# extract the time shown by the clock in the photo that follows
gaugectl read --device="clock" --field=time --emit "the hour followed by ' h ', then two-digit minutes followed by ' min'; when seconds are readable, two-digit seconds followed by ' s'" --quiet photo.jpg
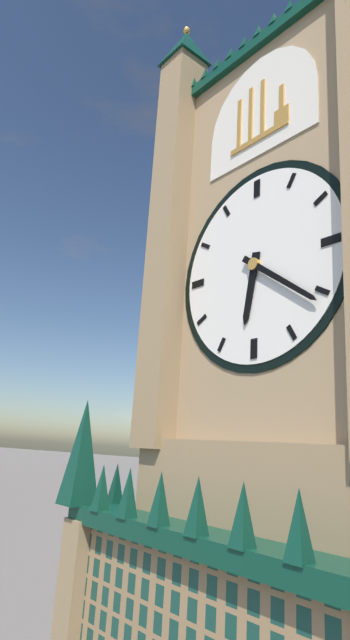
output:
6 h 21 min
